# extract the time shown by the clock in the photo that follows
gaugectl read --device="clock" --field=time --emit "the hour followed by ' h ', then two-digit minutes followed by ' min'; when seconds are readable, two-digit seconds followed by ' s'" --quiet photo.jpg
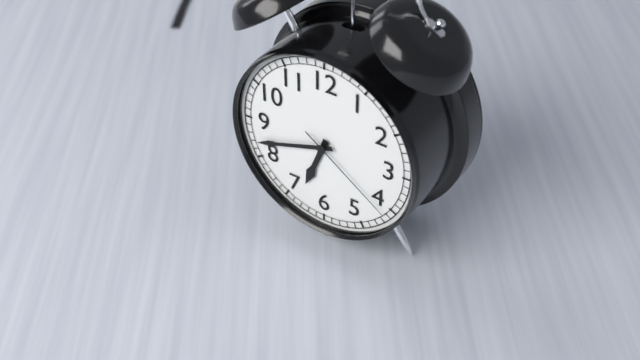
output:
6 h 42 min 21 s
